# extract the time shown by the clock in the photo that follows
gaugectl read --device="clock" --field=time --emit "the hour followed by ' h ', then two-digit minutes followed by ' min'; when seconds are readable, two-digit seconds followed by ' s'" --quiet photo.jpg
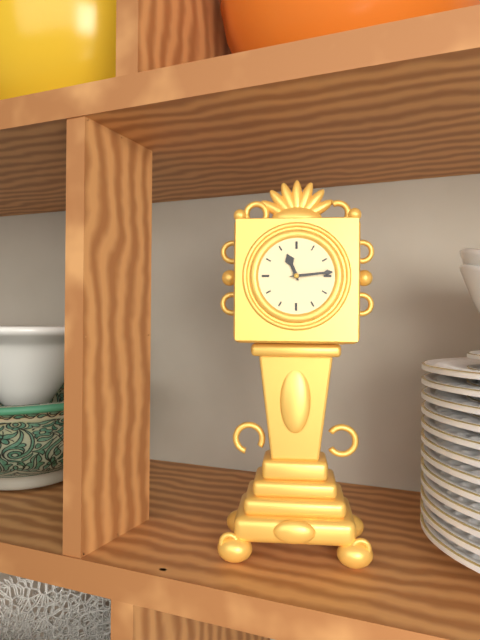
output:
11 h 14 min
